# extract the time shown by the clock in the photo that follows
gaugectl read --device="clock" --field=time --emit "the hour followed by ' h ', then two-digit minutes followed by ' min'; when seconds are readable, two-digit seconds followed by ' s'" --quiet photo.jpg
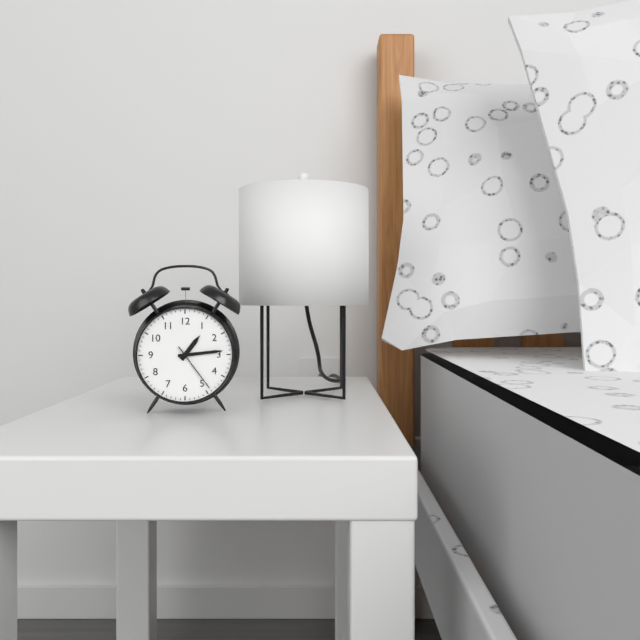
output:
1 h 14 min 24 s
